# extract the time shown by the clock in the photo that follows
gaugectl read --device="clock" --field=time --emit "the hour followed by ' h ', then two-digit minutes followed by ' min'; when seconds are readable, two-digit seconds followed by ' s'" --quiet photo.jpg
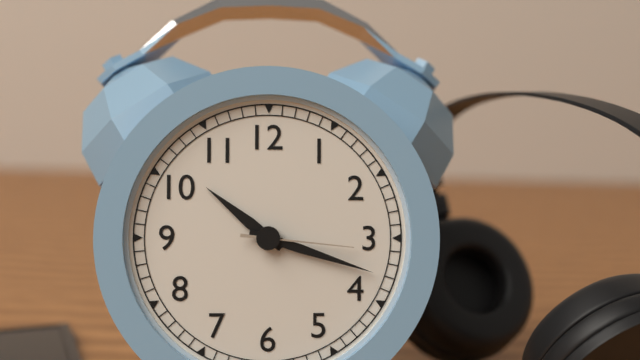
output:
10 h 18 min 16 s
